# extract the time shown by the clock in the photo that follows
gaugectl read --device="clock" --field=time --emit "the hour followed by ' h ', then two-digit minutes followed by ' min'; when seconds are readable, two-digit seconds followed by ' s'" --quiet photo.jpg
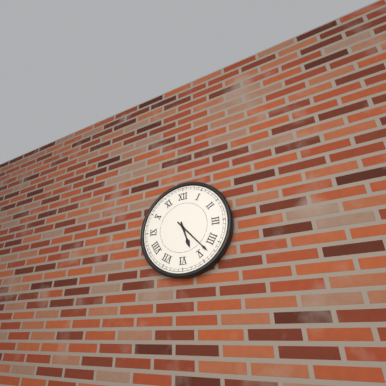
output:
5 h 23 min
